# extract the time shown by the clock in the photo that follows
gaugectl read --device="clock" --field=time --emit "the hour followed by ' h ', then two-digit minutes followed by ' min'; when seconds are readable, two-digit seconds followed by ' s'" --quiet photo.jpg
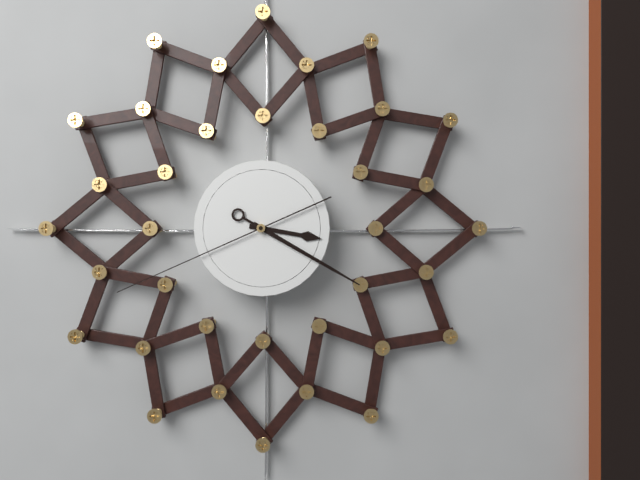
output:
3 h 20 min 41 s
